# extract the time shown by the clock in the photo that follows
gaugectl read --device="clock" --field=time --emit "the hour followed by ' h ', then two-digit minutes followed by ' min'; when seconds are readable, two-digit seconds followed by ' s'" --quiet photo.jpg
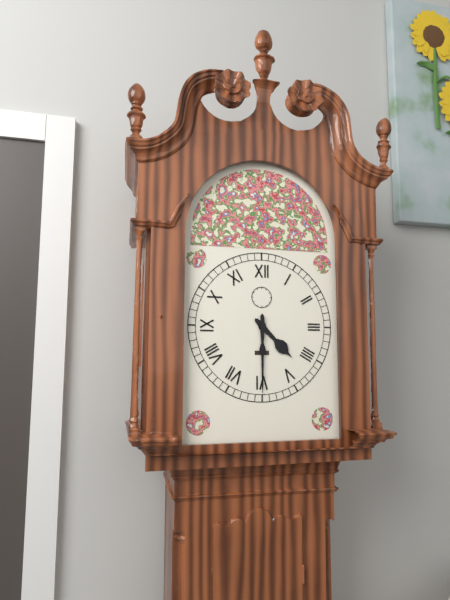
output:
4 h 30 min
